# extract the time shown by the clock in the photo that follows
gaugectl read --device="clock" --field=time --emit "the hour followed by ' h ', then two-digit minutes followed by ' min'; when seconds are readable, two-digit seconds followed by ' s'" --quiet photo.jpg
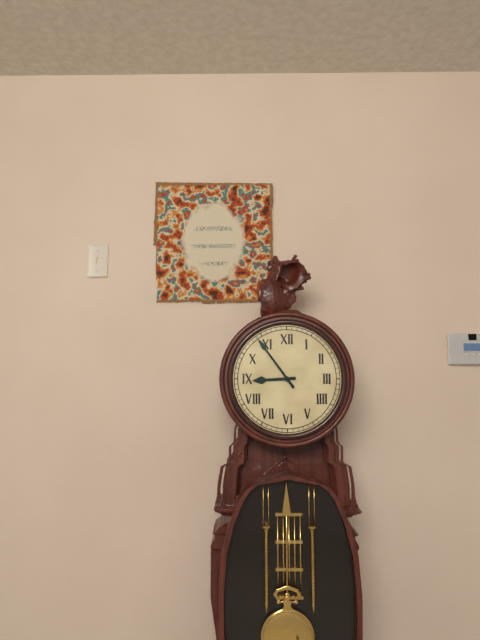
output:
8 h 54 min
